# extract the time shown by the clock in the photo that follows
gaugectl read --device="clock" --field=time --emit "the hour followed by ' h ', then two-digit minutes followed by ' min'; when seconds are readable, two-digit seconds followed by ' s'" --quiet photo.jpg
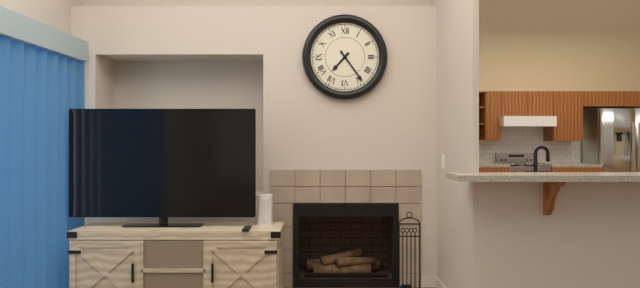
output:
7 h 24 min
